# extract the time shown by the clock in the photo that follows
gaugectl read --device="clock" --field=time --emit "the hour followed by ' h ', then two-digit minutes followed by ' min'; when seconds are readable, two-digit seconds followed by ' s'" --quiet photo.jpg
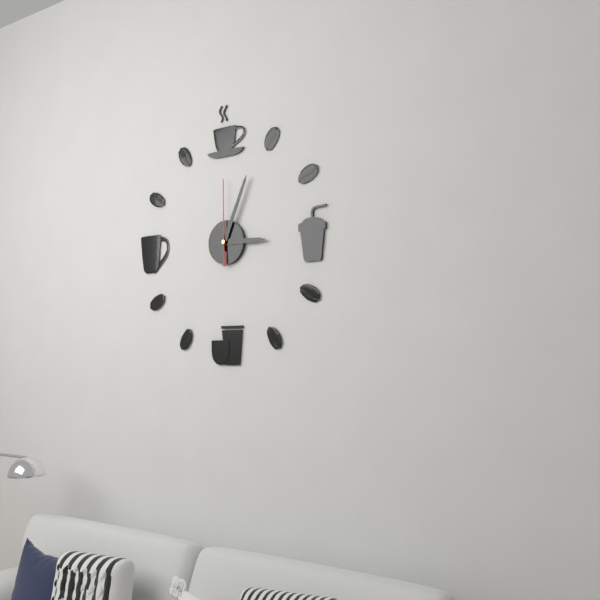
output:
3 h 04 min 00 s
